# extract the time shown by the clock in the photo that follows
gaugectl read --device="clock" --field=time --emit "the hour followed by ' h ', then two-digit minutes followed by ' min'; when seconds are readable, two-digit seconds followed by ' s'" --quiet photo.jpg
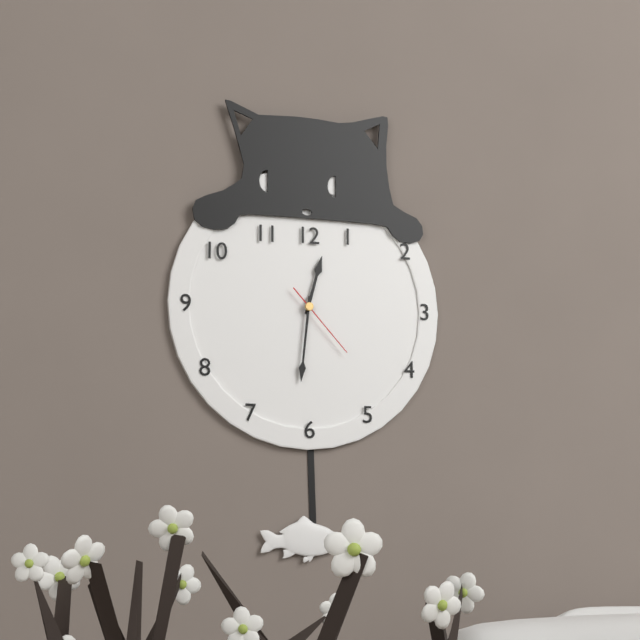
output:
12 h 31 min 23 s
